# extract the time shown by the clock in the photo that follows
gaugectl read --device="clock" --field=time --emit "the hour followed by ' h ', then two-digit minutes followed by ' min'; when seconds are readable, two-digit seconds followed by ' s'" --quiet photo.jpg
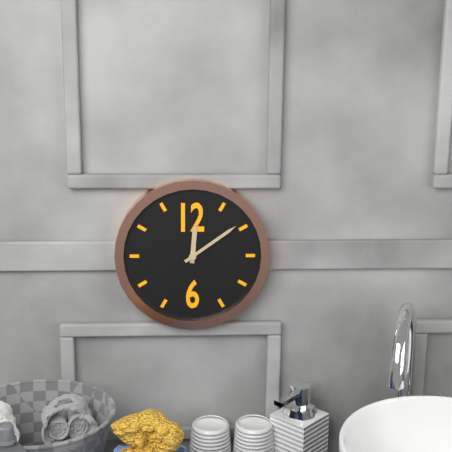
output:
12 h 09 min
